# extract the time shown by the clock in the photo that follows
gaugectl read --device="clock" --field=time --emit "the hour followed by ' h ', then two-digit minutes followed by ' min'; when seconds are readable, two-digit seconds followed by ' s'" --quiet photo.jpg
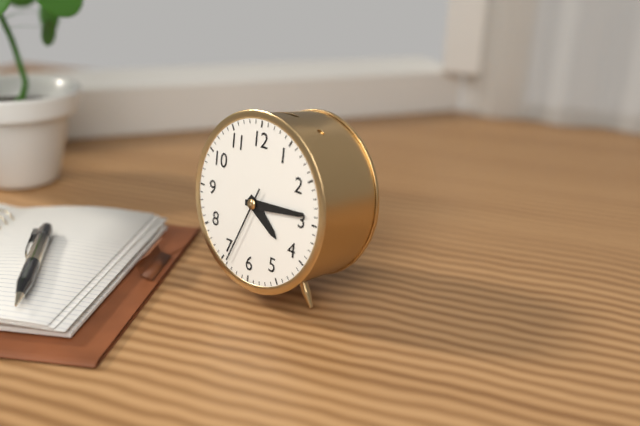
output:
4 h 14 min 34 s
